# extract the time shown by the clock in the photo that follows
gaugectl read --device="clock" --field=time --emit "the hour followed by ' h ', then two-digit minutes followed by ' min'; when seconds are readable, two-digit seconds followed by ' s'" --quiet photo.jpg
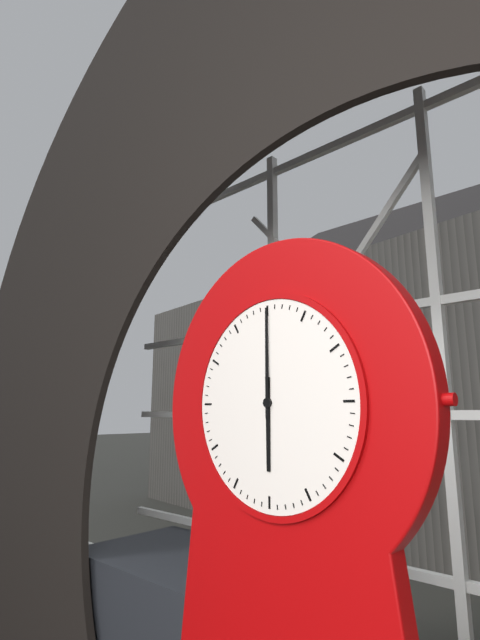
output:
6 h 00 min
